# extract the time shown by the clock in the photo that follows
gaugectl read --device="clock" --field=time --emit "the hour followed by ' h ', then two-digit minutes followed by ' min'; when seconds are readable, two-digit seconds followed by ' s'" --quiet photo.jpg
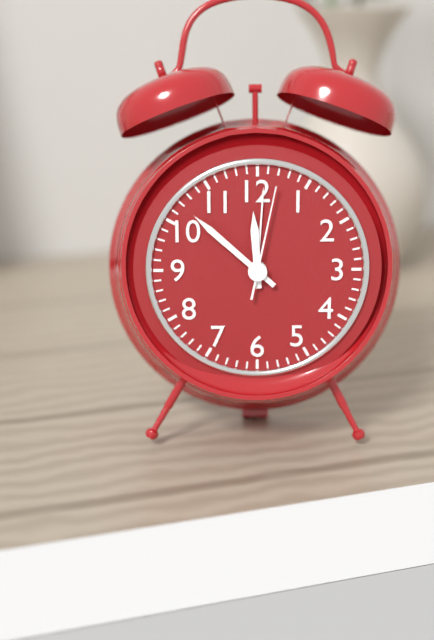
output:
11 h 52 min 02 s
